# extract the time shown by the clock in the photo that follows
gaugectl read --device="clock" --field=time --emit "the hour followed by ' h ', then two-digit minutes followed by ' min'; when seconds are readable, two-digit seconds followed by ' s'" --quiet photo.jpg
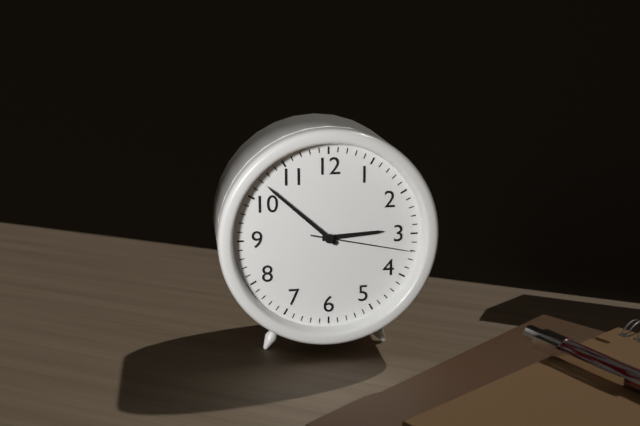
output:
2 h 52 min 17 s
